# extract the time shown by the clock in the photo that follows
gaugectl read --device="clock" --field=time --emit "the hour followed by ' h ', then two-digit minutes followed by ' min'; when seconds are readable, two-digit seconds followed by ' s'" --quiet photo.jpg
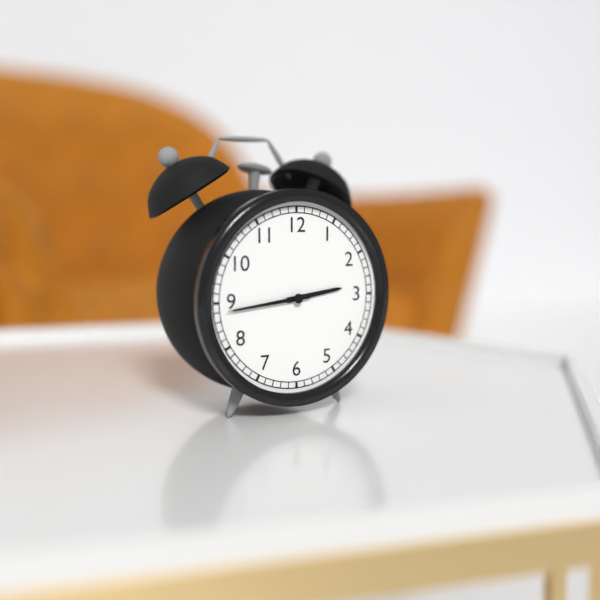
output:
2 h 44 min
